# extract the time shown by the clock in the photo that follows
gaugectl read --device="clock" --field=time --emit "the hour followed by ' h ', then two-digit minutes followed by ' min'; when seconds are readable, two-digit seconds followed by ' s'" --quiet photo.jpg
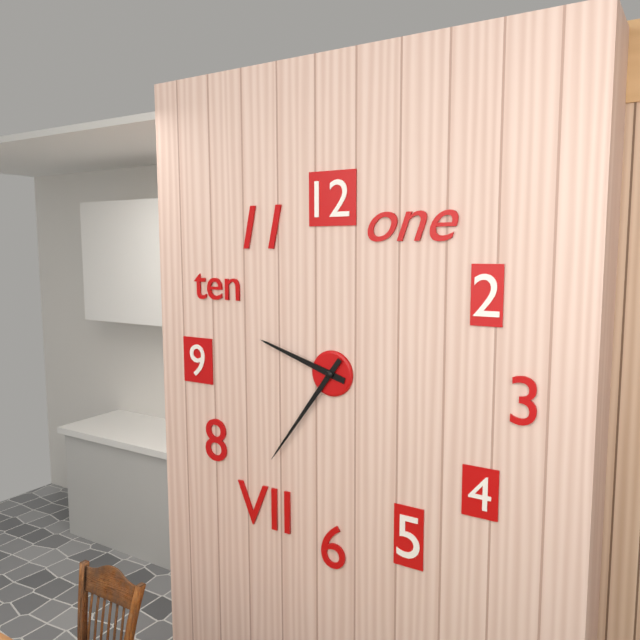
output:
9 h 36 min
